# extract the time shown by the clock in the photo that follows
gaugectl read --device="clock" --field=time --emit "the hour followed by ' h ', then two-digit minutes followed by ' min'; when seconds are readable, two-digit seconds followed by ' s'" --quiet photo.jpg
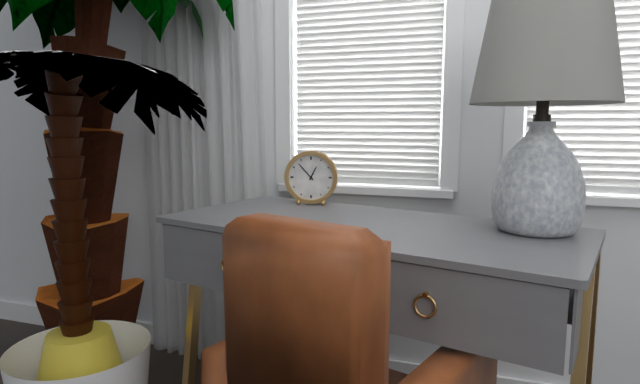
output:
12 h 53 min
